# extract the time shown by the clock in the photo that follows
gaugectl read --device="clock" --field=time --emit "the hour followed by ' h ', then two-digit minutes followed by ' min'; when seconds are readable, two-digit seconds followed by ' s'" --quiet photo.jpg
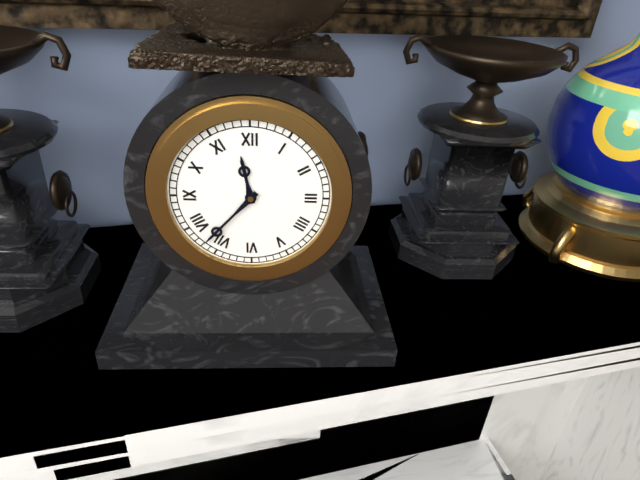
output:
11 h 37 min
